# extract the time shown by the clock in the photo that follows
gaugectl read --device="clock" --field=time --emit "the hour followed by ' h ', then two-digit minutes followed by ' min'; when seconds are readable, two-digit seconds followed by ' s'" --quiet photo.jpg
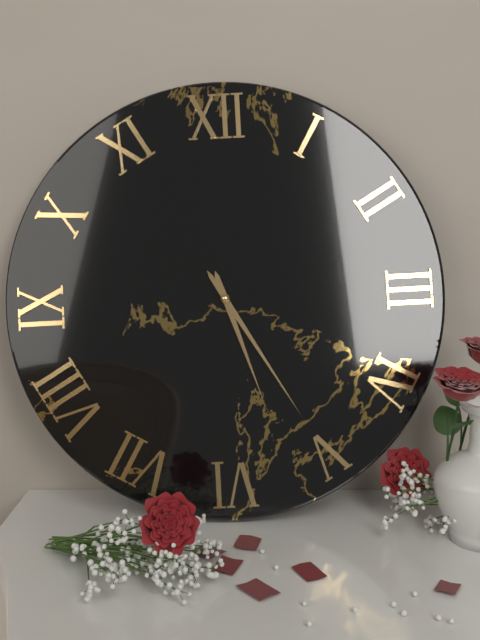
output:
5 h 25 min
